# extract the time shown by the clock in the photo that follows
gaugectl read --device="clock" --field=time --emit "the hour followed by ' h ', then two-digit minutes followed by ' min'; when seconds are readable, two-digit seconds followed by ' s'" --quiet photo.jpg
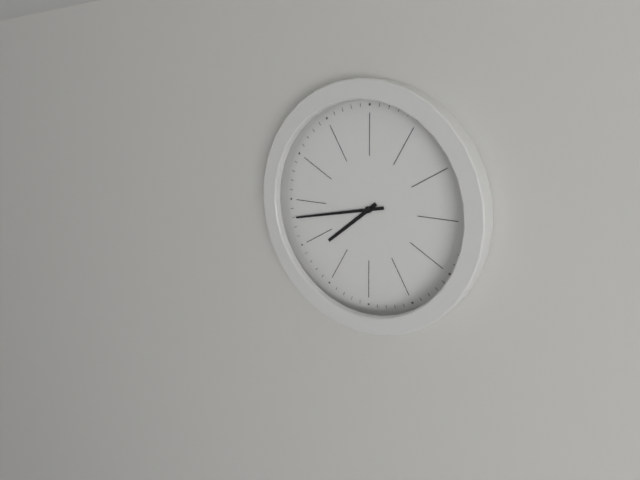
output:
7 h 43 min
